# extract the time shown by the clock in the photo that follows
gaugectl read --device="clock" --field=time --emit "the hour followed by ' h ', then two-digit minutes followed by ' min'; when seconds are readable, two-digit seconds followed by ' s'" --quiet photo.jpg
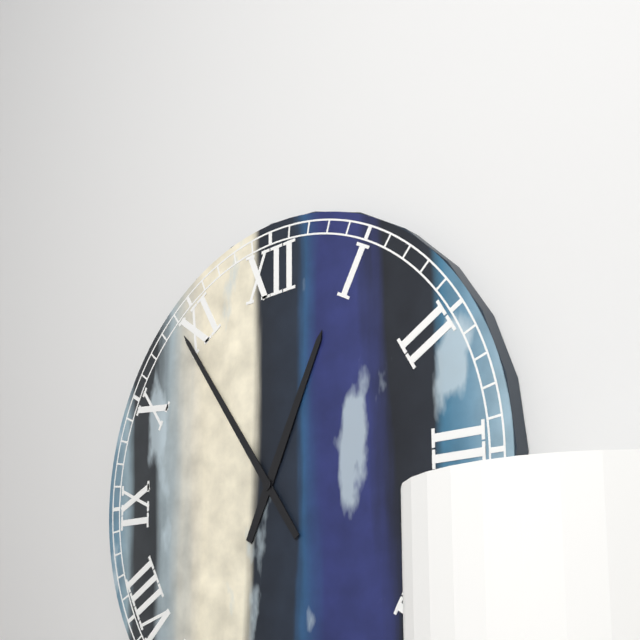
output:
12 h 54 min
